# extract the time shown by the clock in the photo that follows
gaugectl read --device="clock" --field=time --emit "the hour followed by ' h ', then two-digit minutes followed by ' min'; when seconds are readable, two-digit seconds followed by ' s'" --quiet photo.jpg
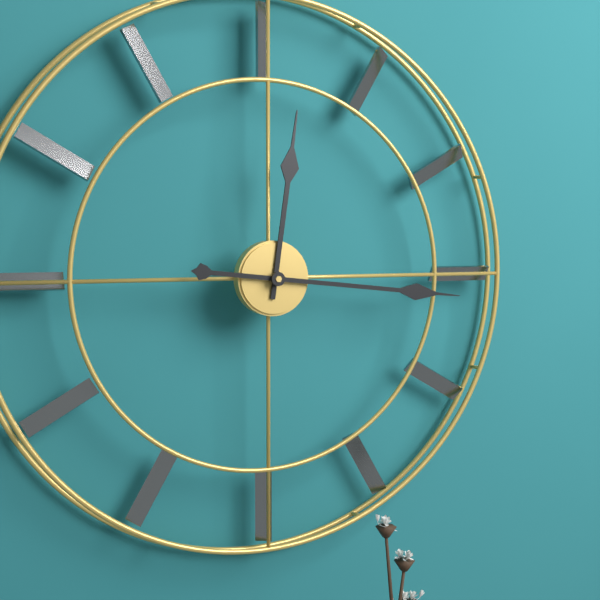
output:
12 h 16 min
